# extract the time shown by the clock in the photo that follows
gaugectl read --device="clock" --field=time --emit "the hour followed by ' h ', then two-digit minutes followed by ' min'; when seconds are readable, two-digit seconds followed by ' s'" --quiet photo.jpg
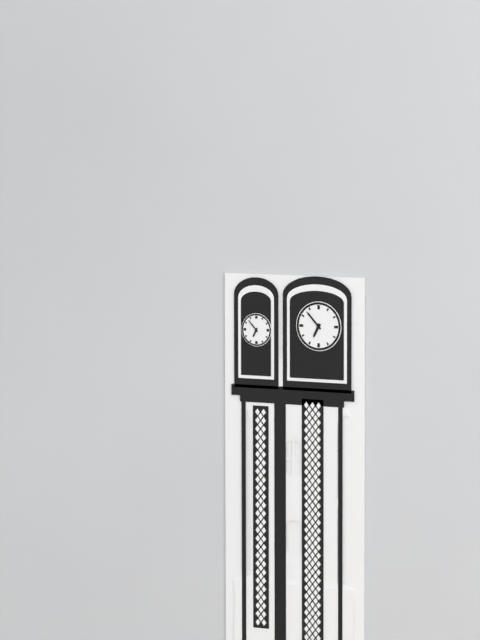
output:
6 h 53 min
